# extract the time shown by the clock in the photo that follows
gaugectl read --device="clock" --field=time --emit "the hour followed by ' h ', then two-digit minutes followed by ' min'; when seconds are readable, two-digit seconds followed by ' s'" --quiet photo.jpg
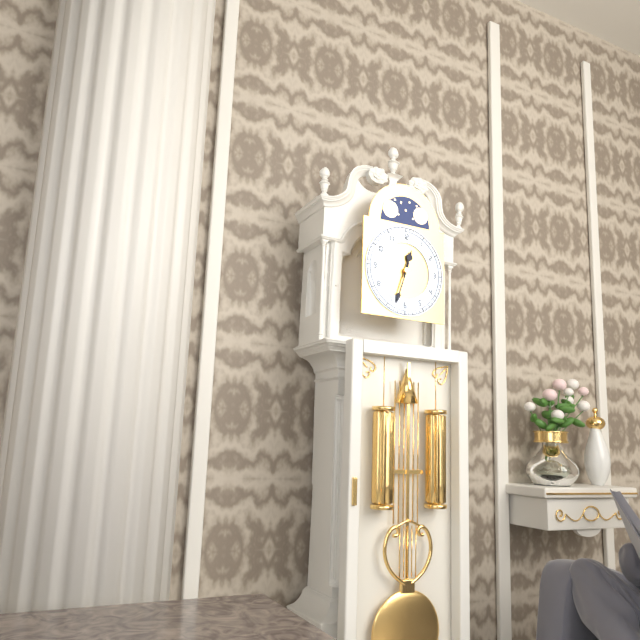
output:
12 h 33 min
